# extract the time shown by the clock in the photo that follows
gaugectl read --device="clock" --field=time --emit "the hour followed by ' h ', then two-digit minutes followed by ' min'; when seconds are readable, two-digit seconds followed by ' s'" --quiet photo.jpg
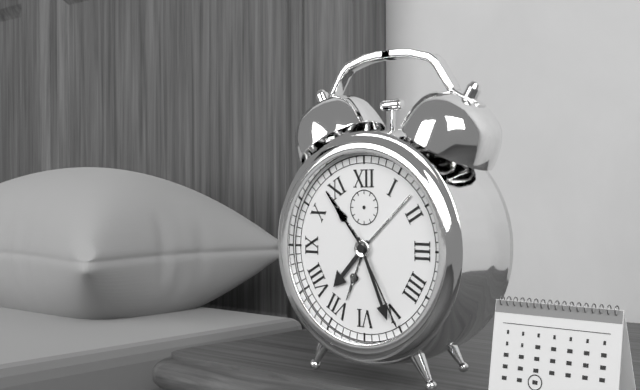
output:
7 h 26 min 25 s
